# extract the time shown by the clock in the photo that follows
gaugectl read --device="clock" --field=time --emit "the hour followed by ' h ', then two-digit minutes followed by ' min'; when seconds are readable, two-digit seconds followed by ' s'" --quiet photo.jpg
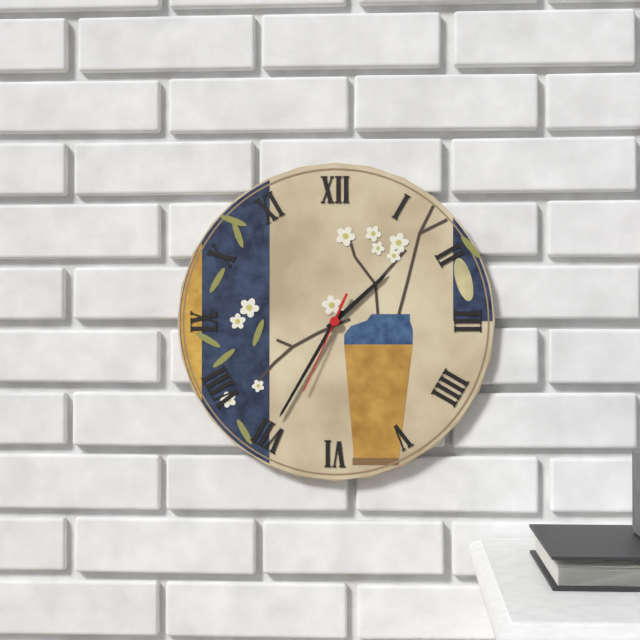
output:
1 h 35 min 34 s
